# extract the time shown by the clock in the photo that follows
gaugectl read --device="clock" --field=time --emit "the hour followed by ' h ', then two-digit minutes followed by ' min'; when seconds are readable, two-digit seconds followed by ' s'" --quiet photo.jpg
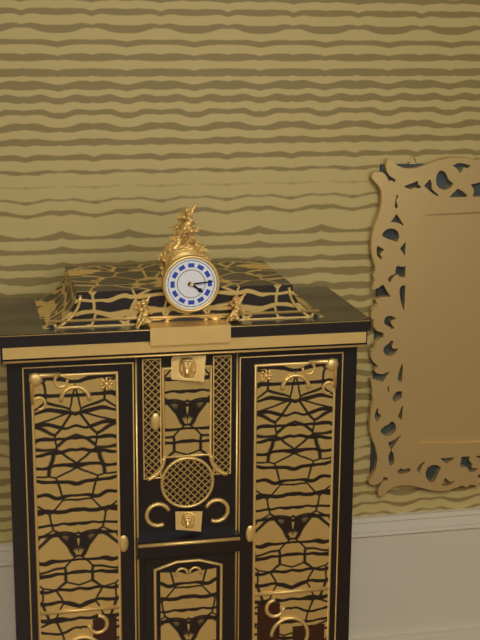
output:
4 h 14 min
